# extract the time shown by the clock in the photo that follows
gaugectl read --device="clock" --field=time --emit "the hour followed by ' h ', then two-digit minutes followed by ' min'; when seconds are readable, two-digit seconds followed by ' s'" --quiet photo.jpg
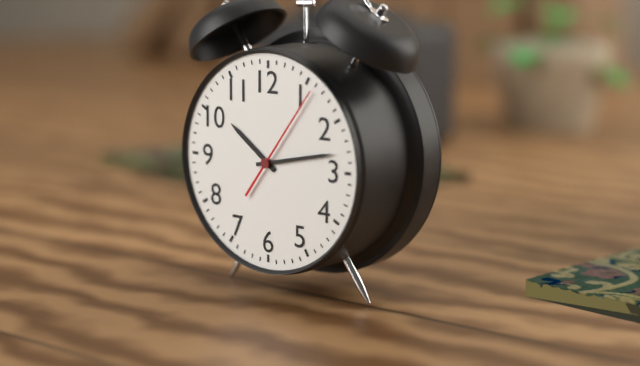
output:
10 h 13 min 06 s
